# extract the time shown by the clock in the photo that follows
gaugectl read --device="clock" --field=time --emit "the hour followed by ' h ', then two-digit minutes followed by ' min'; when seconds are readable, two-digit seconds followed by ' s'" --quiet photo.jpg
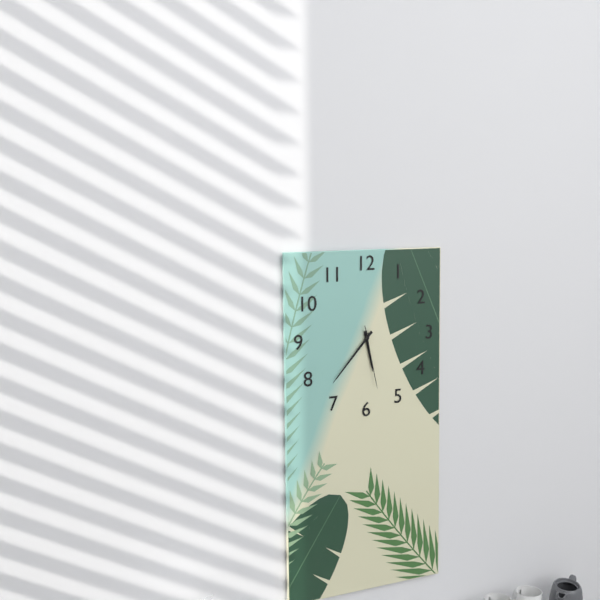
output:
5 h 37 min 28 s
